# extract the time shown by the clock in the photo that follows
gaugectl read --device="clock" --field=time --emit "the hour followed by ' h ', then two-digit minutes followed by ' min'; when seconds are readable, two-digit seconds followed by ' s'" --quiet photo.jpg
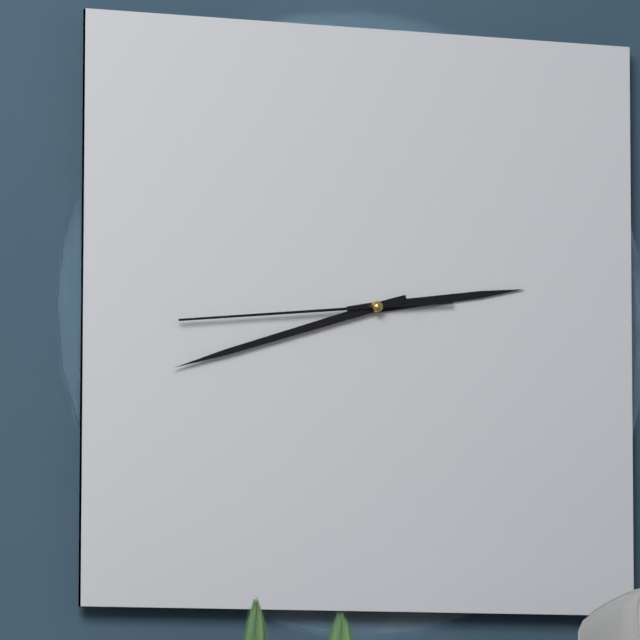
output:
2 h 42 min 44 s
